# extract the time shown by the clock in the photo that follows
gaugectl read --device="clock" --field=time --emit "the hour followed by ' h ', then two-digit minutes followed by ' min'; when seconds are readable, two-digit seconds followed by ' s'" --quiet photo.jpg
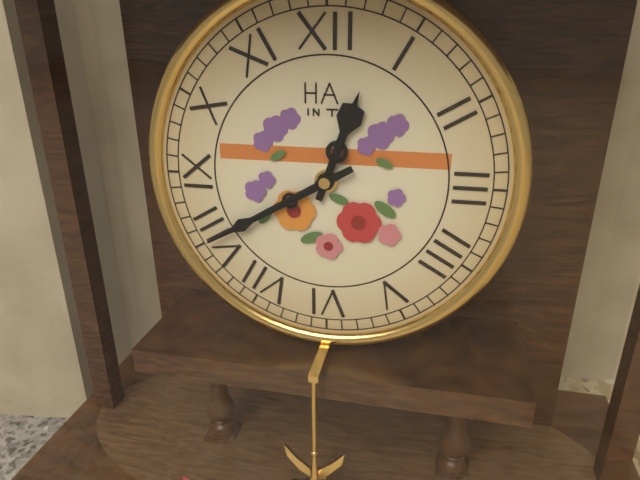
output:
12 h 40 min
